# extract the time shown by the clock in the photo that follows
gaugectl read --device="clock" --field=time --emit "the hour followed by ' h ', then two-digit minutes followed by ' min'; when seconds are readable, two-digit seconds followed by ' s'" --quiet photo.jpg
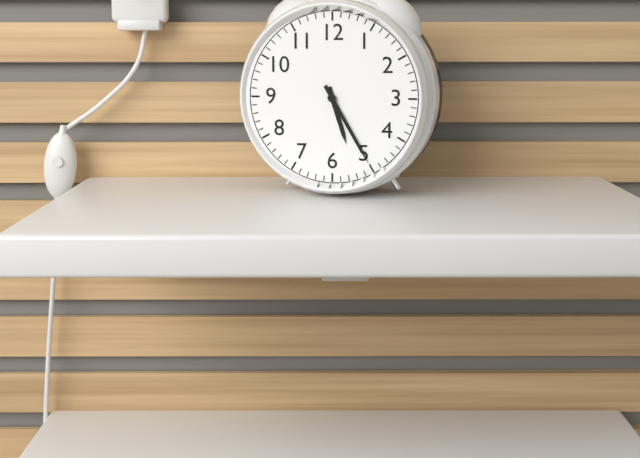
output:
5 h 25 min
